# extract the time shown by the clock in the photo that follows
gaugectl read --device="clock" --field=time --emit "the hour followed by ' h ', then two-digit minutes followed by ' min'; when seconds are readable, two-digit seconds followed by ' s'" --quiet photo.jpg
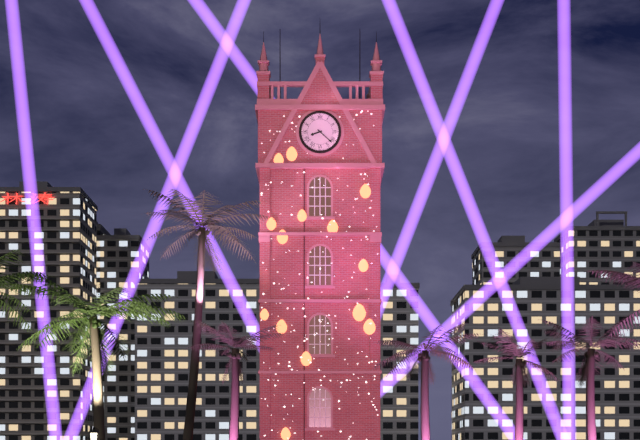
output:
8 h 22 min
